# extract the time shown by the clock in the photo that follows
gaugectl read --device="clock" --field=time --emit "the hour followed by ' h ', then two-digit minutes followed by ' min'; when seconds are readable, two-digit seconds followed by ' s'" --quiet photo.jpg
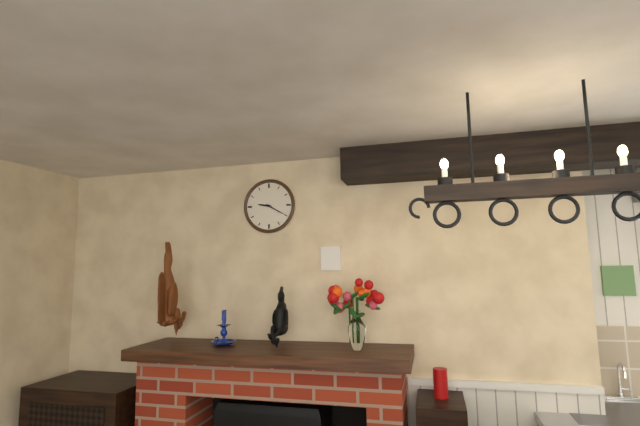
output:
9 h 20 min
